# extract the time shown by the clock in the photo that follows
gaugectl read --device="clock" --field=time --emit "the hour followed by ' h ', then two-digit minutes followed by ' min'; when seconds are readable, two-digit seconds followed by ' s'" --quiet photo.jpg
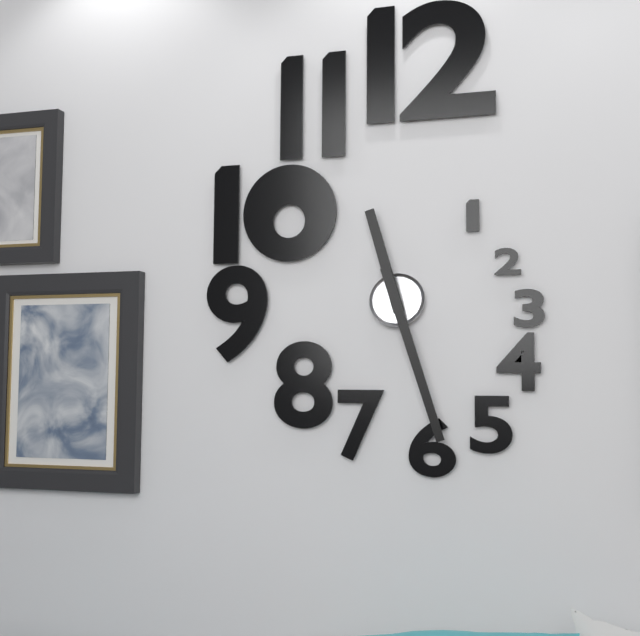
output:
11 h 27 min
